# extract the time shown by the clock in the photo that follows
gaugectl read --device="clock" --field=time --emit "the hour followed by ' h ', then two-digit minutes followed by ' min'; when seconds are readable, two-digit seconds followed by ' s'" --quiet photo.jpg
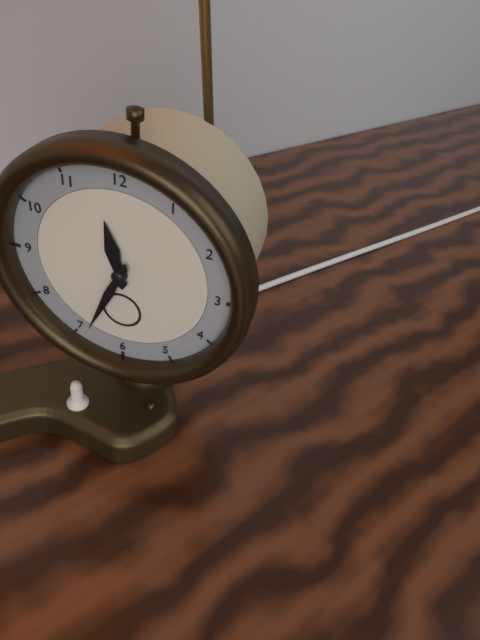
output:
11 h 34 min
